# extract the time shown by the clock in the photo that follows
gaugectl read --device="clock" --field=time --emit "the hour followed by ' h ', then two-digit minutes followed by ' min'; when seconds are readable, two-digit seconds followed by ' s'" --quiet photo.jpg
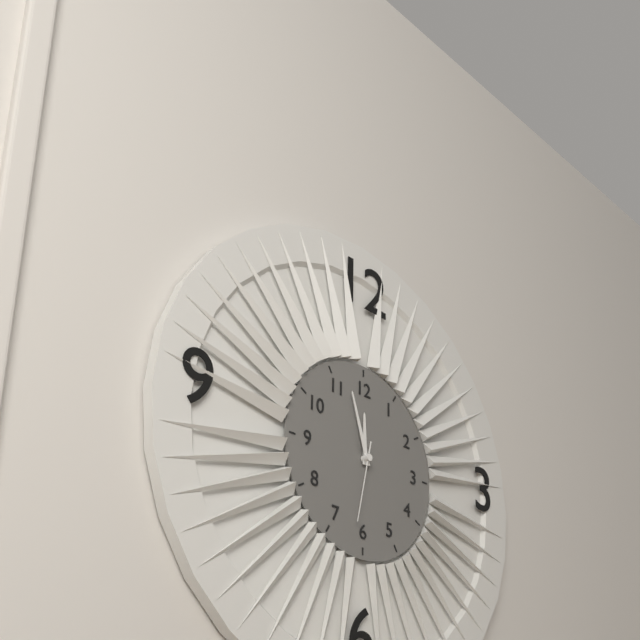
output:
11 h 57 min 32 s
